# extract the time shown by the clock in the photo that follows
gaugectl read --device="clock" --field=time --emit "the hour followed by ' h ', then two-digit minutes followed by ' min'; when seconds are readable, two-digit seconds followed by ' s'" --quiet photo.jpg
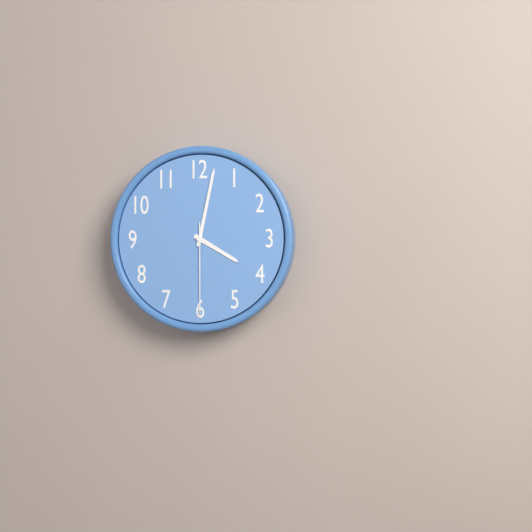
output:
4 h 02 min 30 s
